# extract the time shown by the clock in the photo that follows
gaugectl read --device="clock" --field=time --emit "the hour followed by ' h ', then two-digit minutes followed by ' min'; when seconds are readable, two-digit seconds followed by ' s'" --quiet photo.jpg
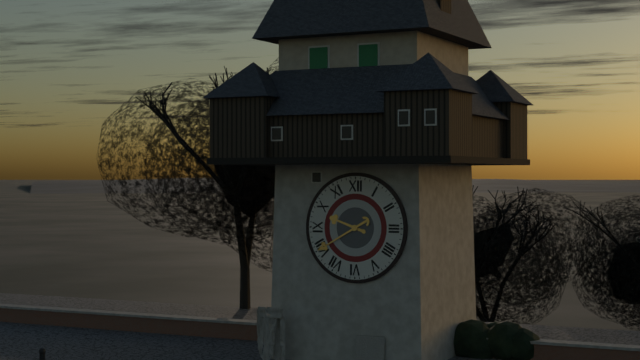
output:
9 h 40 min
